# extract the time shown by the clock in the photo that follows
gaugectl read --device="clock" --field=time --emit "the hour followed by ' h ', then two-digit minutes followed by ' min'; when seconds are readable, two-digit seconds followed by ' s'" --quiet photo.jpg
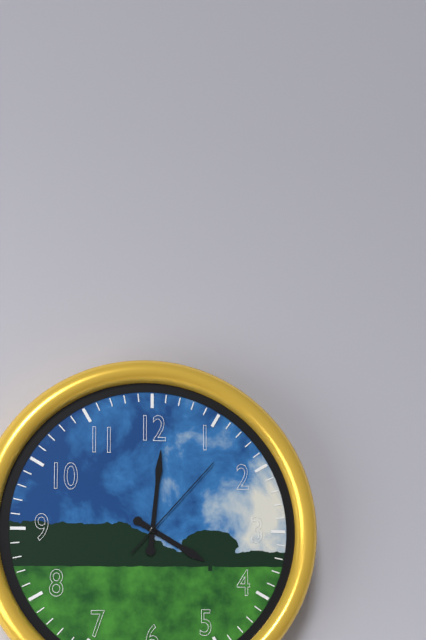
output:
4 h 01 min 07 s
